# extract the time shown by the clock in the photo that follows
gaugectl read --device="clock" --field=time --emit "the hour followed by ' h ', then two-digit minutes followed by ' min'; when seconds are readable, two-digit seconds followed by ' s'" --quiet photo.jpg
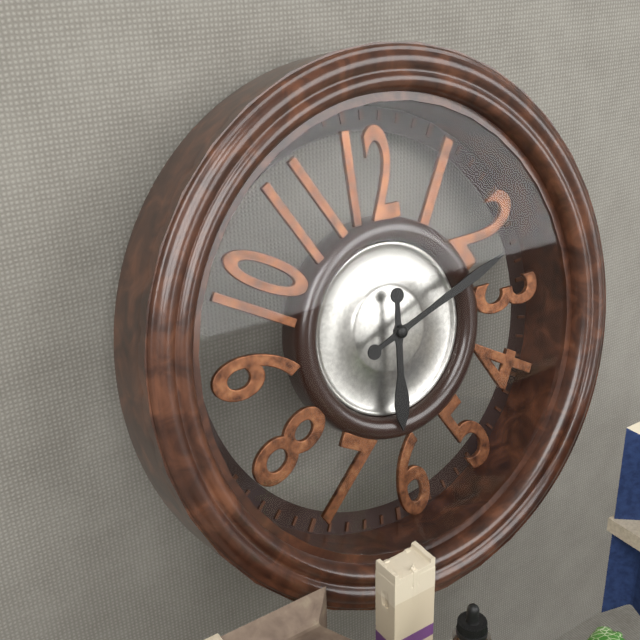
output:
6 h 12 min
